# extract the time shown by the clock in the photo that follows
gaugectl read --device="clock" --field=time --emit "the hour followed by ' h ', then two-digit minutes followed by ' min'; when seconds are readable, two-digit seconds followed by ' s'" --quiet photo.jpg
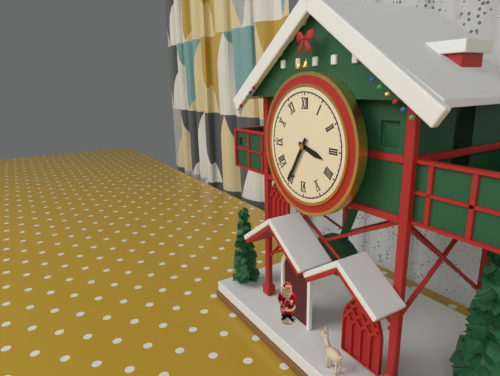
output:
3 h 35 min
